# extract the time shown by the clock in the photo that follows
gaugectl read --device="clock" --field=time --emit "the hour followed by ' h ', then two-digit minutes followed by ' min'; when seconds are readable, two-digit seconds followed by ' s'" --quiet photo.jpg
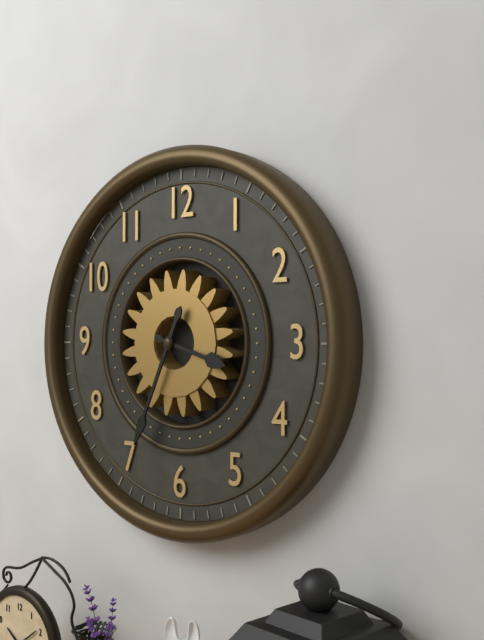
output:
3 h 34 min
